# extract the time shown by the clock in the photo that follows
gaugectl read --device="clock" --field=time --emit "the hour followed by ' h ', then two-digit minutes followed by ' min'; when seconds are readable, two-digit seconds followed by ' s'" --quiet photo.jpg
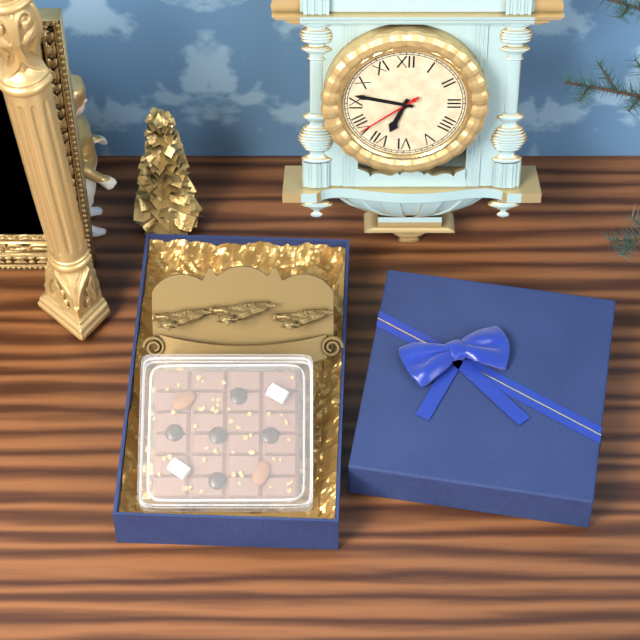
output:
6 h 47 min 39 s
